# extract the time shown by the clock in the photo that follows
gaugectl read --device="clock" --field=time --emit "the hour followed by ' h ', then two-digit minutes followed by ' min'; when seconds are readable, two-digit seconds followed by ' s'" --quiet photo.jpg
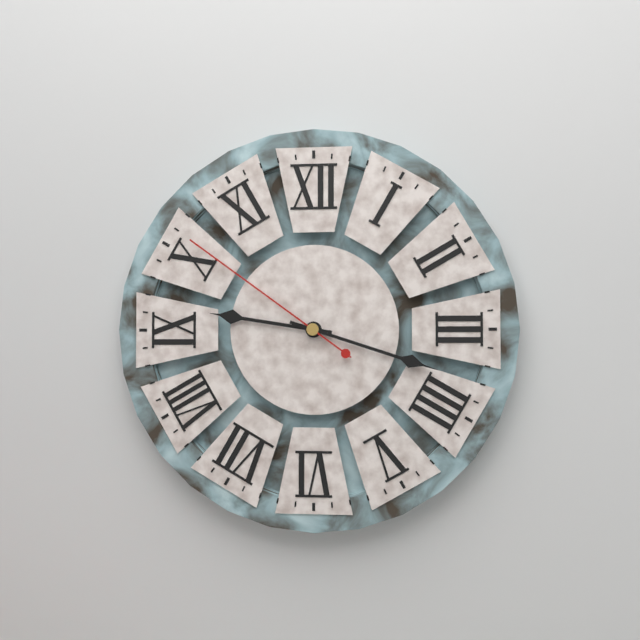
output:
9 h 18 min 51 s
